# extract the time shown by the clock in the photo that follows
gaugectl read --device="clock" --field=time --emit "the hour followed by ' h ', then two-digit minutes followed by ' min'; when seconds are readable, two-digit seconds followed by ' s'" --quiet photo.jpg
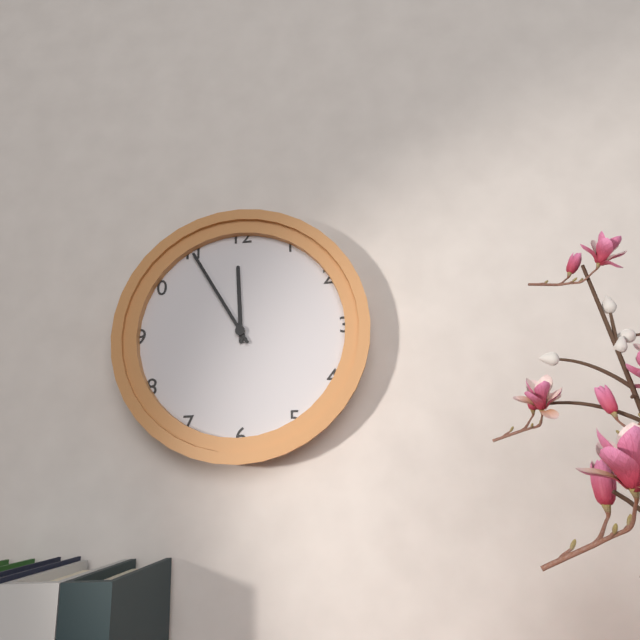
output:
11 h 55 min
